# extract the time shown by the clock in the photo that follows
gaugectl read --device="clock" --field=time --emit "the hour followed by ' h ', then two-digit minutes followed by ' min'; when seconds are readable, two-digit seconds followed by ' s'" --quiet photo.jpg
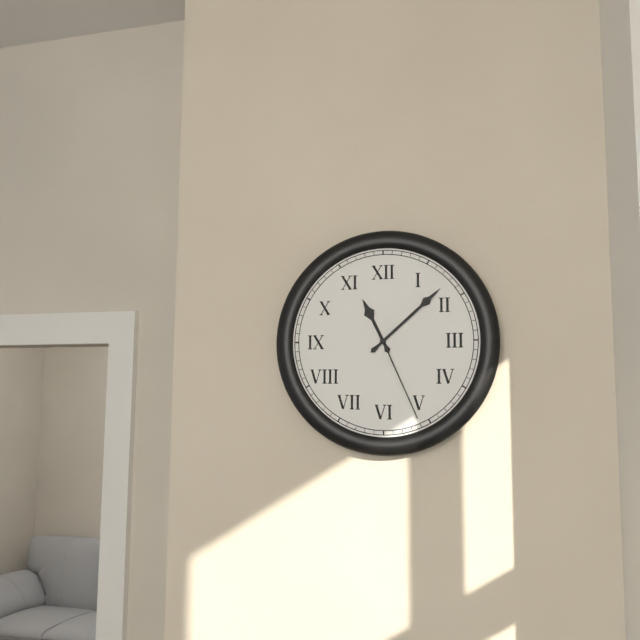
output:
11 h 08 min 26 s
